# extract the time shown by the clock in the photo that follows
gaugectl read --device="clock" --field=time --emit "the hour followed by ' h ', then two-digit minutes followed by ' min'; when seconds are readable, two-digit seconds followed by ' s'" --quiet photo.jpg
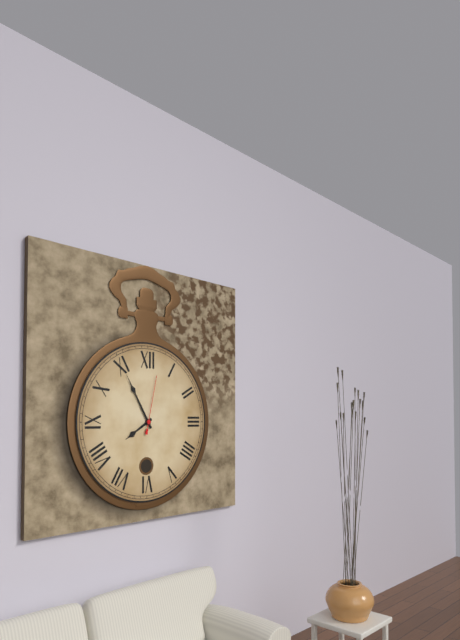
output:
7 h 55 min 02 s
